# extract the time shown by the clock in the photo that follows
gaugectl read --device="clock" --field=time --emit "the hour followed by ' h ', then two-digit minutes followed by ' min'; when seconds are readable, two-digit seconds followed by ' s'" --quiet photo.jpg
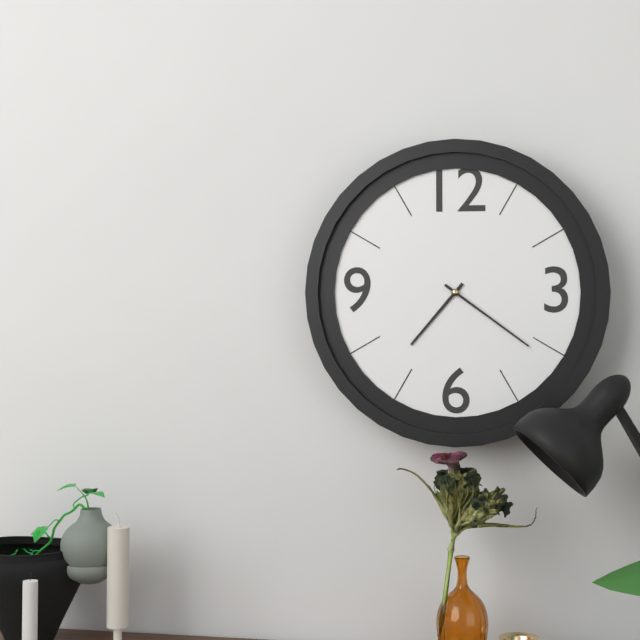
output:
7 h 21 min
